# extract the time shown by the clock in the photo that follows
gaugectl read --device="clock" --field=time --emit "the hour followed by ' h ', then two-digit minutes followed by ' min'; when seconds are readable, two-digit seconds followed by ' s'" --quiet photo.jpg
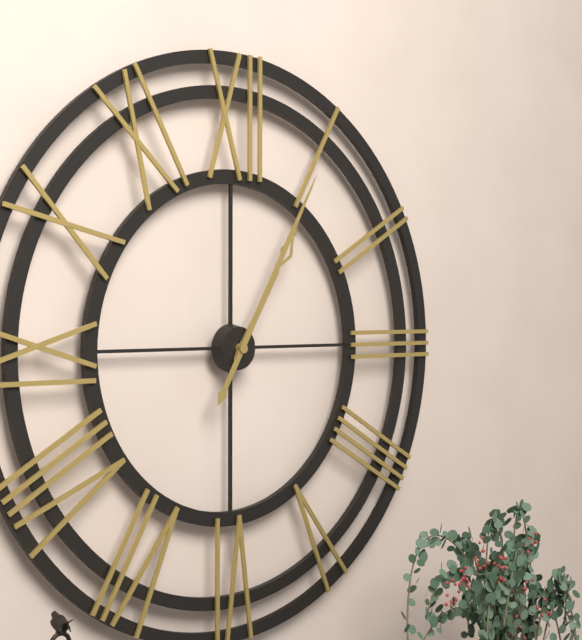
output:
1 h 05 min
